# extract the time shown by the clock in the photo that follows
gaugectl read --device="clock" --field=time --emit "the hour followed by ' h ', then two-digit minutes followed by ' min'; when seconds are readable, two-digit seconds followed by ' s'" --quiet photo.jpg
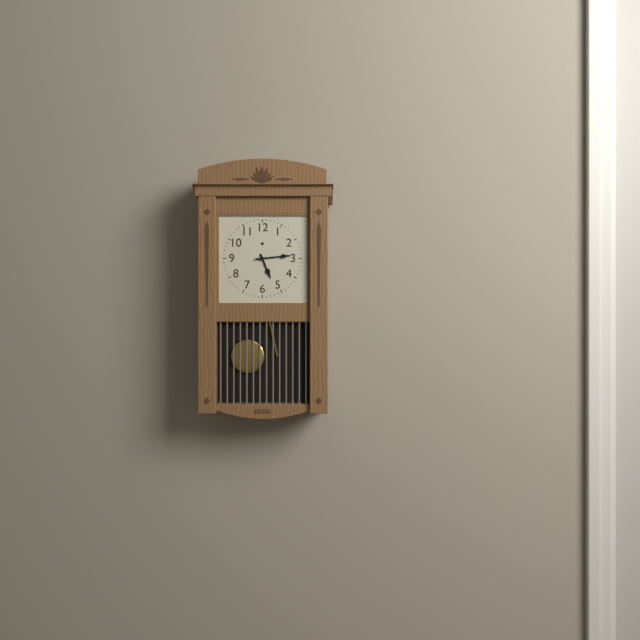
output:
5 h 14 min
